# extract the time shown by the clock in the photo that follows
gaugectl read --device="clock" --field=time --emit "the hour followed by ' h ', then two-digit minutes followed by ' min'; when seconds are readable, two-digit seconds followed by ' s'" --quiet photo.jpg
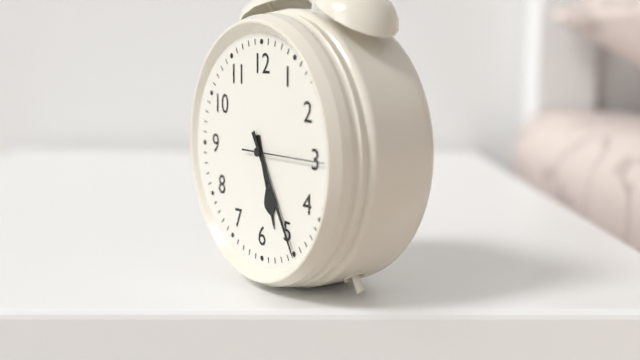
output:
5 h 25 min 15 s
